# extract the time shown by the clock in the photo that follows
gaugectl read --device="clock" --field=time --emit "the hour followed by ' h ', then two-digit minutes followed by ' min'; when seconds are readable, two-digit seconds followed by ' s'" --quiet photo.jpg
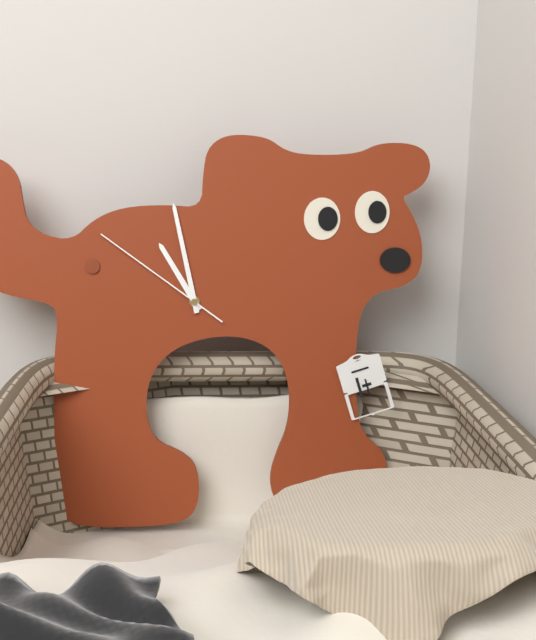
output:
10 h 58 min 51 s
